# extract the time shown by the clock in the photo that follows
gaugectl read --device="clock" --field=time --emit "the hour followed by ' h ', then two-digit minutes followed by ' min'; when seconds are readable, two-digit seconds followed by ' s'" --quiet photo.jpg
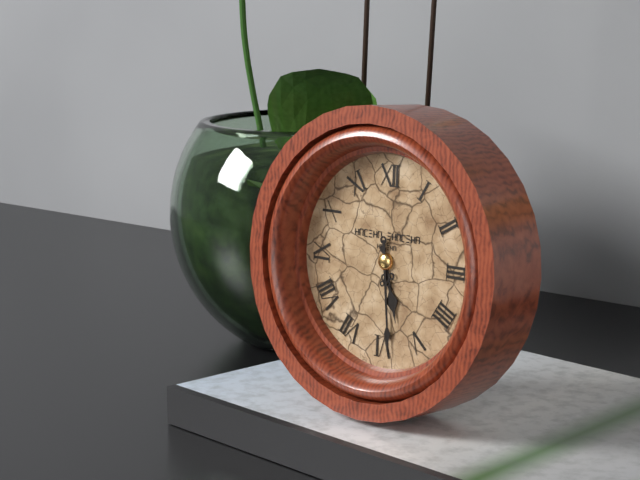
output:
5 h 29 min
